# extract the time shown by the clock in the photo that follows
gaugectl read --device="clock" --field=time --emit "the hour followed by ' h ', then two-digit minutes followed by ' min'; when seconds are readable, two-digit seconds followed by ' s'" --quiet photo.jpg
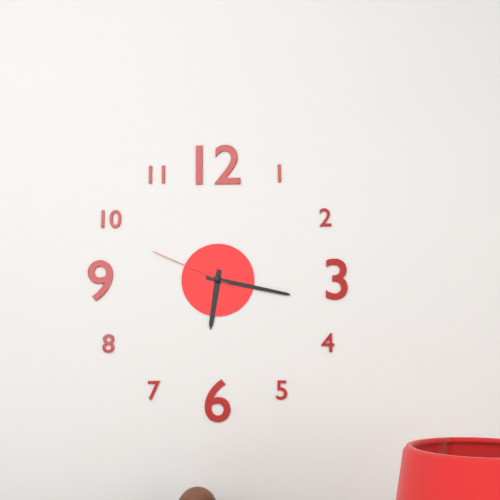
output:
6 h 17 min 49 s
